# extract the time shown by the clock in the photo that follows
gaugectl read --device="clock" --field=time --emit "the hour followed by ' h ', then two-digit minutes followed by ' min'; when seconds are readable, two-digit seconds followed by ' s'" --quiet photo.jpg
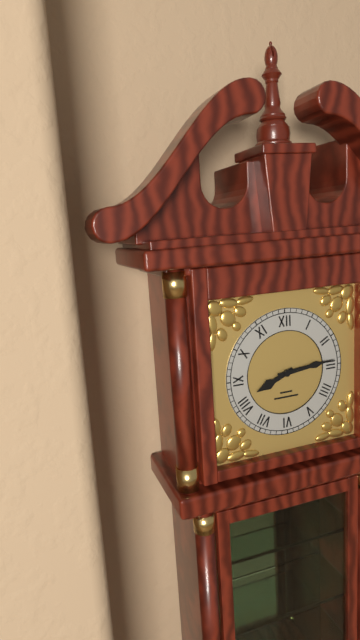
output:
8 h 14 min
